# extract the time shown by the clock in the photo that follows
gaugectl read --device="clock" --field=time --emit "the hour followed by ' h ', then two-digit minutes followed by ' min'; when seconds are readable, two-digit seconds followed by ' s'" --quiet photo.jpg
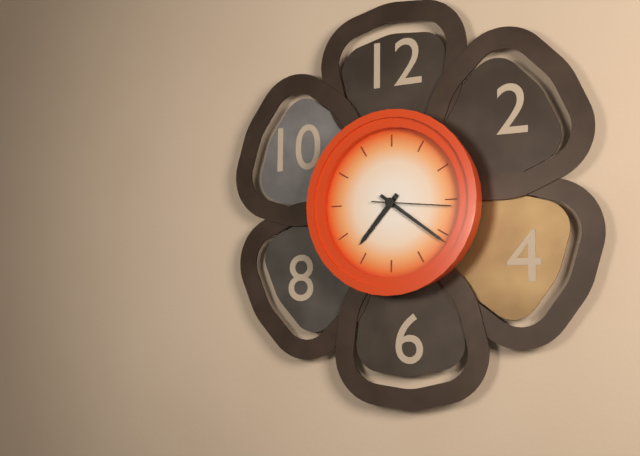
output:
7 h 21 min 16 s
